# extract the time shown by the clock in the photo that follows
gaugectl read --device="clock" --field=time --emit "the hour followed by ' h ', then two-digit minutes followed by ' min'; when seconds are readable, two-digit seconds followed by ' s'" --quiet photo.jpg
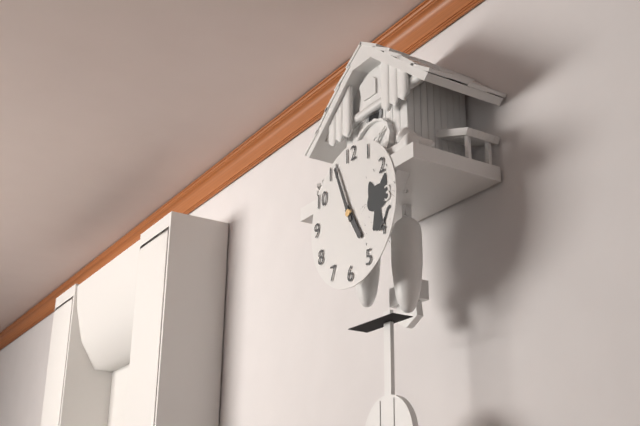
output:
4 h 56 min
